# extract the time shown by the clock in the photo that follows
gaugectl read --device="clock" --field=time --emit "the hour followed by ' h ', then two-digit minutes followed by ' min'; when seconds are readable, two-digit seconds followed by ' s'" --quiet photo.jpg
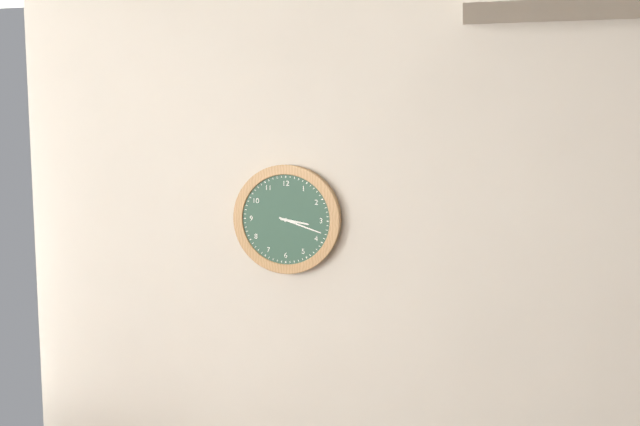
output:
3 h 18 min
